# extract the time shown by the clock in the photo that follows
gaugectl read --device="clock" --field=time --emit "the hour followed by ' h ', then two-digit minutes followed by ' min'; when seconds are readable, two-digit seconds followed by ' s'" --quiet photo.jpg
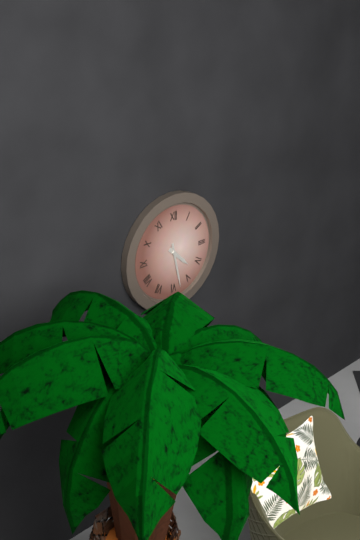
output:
4 h 28 min
